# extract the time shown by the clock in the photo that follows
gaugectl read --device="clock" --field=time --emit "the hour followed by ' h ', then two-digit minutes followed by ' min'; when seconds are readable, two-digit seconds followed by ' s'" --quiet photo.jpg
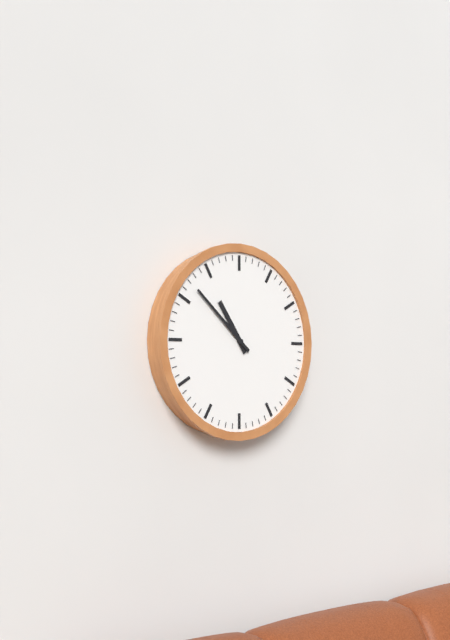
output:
10 h 52 min
